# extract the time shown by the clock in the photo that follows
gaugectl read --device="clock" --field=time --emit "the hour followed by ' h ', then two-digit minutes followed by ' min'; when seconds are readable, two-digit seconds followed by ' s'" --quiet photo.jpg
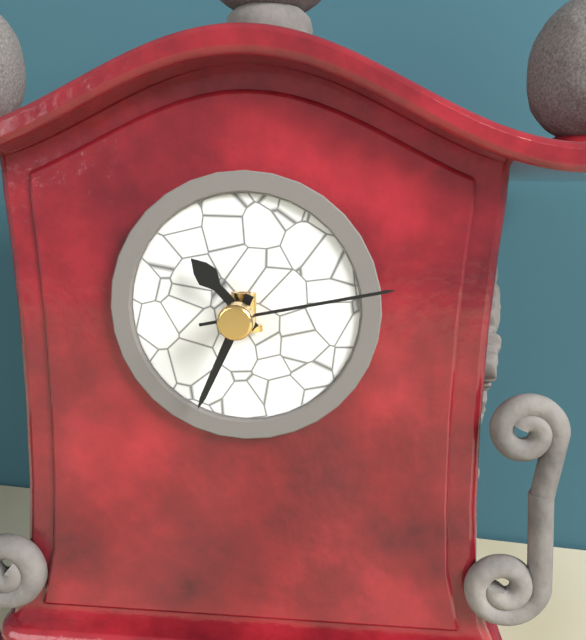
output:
10 h 34 min 13 s
